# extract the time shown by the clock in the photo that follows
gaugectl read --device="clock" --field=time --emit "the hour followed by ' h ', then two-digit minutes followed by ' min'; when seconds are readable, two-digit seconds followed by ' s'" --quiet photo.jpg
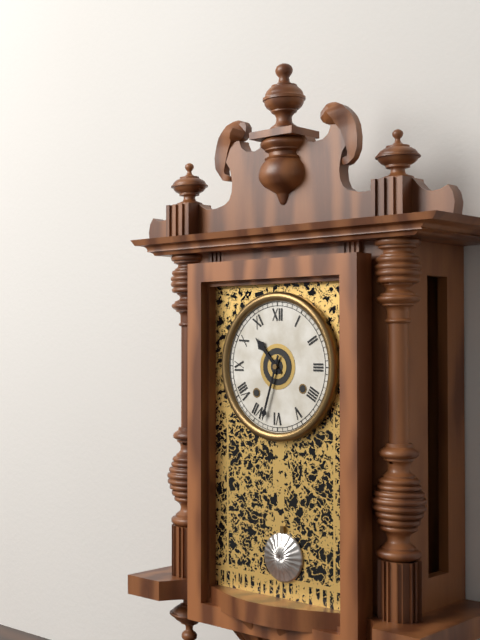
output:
10 h 33 min
